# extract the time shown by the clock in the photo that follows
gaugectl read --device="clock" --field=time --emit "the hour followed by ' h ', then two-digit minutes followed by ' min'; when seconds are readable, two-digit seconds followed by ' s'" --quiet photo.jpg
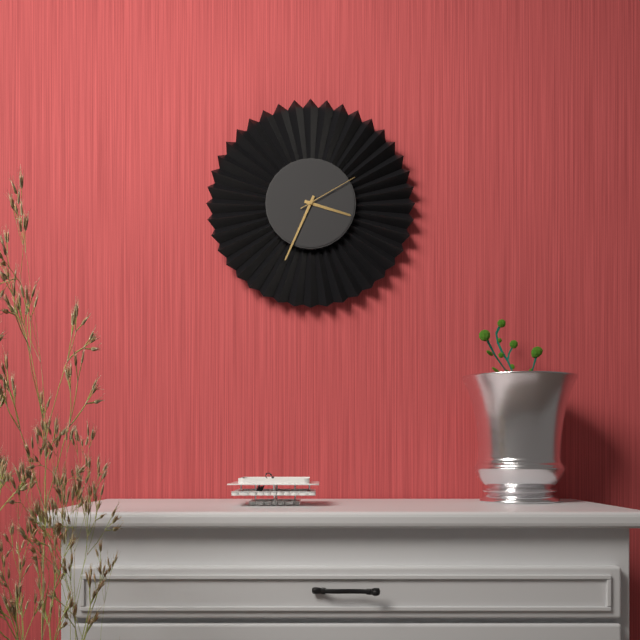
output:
3 h 34 min 10 s
